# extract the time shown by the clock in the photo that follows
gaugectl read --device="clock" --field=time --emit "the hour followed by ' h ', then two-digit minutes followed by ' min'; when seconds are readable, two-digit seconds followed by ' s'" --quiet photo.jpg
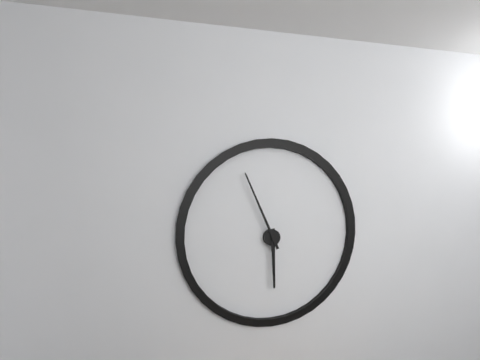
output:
5 h 56 min
